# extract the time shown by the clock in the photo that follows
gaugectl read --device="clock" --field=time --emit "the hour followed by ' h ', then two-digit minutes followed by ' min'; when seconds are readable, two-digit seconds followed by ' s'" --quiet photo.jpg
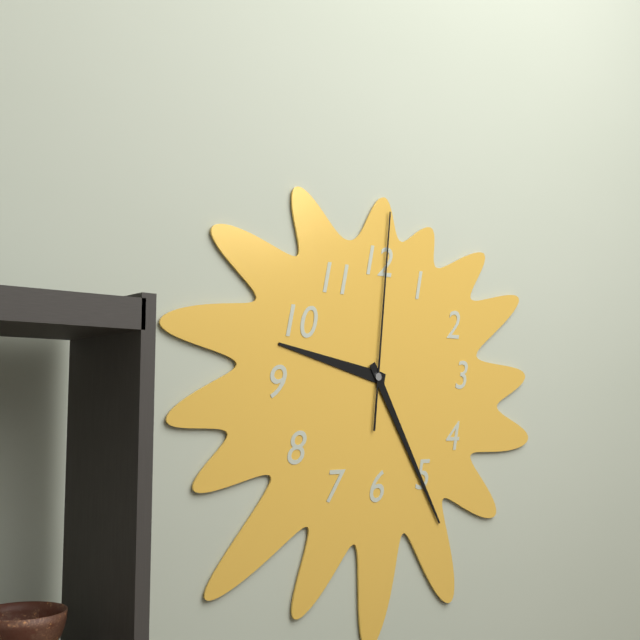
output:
9 h 25 min 01 s
